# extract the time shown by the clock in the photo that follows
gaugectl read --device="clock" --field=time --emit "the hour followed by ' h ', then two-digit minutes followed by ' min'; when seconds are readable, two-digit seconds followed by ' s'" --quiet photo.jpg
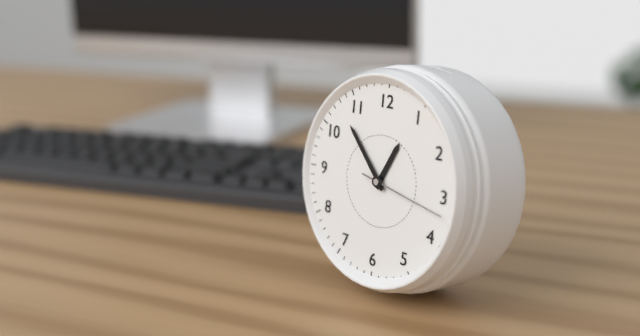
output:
12 h 53 min 17 s
